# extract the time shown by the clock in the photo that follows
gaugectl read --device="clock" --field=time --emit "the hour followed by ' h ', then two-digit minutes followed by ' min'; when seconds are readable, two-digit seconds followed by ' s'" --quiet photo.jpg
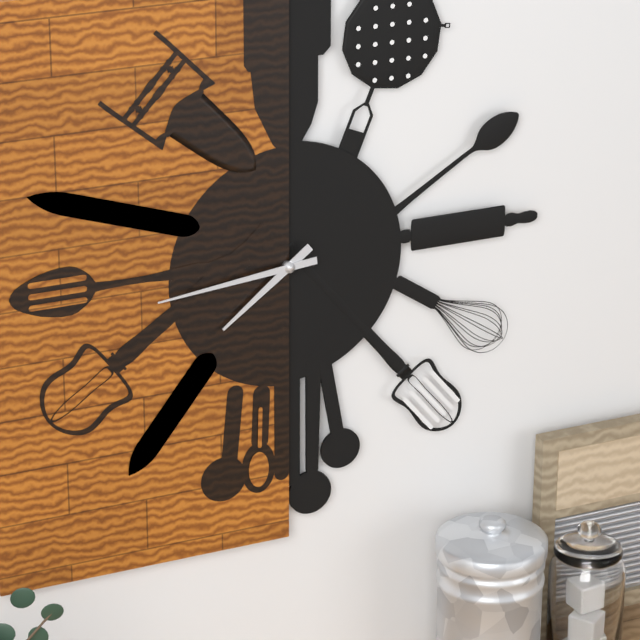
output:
7 h 44 min
